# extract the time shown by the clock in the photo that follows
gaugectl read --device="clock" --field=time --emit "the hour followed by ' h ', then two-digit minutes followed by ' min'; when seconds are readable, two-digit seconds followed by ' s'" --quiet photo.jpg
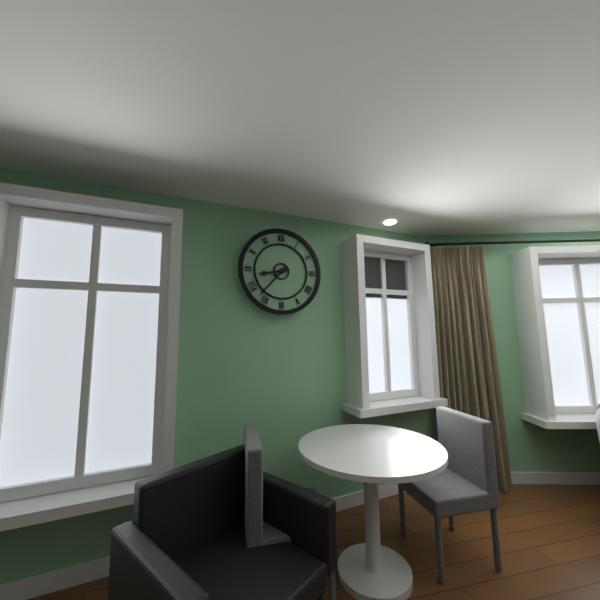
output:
8 h 37 min
